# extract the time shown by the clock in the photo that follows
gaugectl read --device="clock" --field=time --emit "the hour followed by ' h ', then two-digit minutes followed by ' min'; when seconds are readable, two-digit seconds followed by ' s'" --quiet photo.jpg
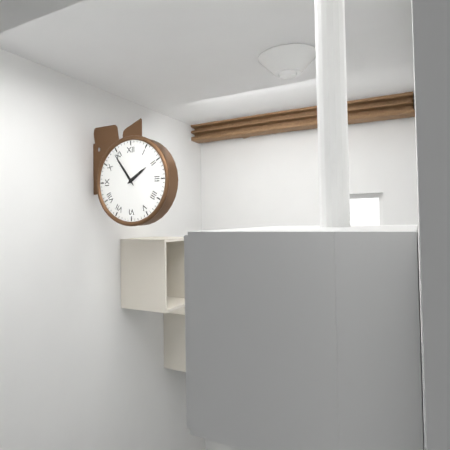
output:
1 h 54 min
